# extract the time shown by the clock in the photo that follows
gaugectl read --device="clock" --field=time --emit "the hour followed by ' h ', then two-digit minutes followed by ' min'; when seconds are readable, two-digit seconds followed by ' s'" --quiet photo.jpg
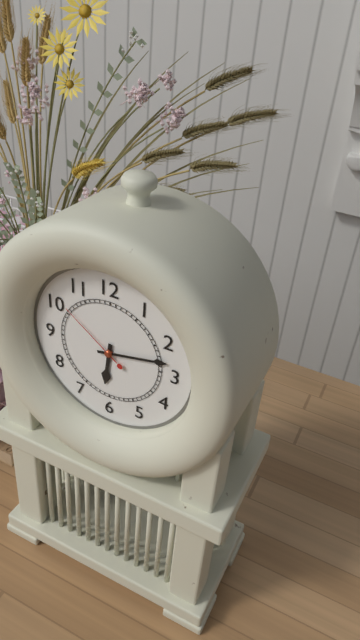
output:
6 h 13 min 51 s
